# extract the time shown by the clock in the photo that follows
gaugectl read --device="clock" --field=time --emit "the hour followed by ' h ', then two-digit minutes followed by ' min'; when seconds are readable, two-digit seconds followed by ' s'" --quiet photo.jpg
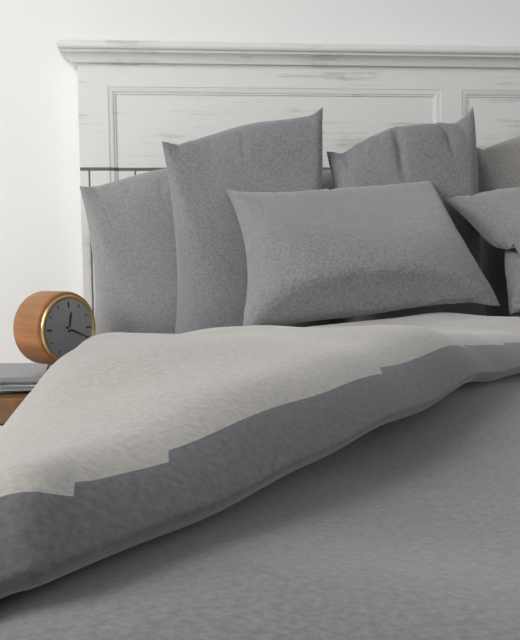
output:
12 h 19 min
